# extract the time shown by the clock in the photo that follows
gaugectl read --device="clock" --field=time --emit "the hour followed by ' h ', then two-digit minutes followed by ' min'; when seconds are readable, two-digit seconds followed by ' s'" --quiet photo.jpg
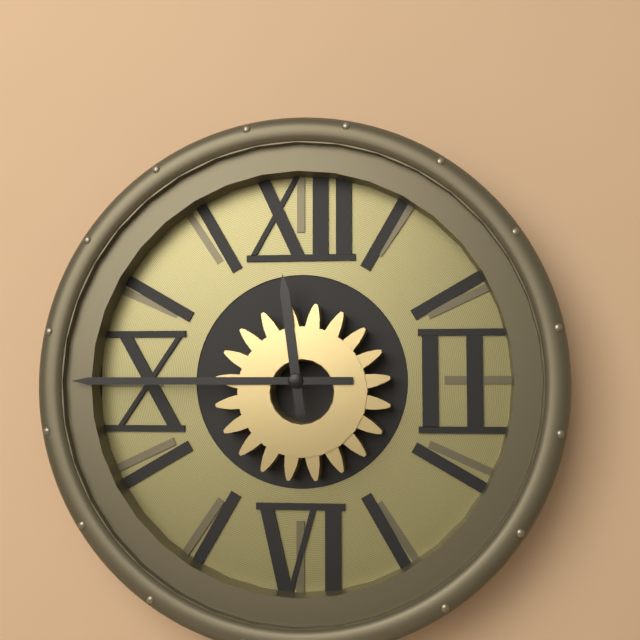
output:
11 h 45 min
